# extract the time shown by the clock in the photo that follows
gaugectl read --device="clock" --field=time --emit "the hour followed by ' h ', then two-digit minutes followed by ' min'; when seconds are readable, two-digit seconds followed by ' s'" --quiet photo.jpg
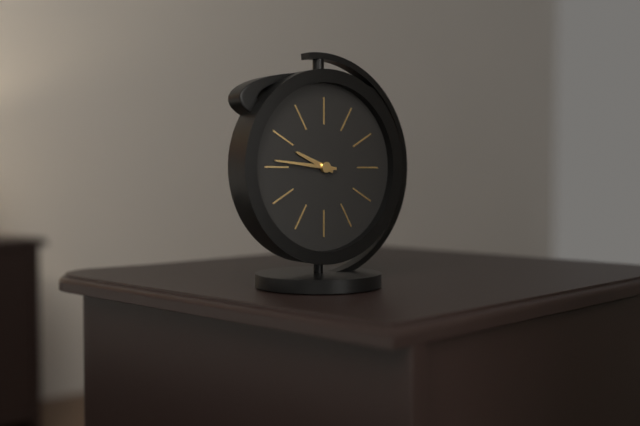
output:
9 h 46 min
